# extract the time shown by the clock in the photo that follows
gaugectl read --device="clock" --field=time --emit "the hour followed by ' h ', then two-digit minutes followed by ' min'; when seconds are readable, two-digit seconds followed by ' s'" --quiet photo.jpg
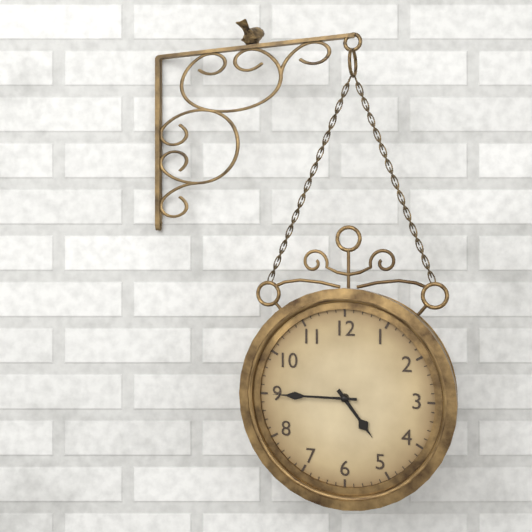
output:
4 h 45 min
